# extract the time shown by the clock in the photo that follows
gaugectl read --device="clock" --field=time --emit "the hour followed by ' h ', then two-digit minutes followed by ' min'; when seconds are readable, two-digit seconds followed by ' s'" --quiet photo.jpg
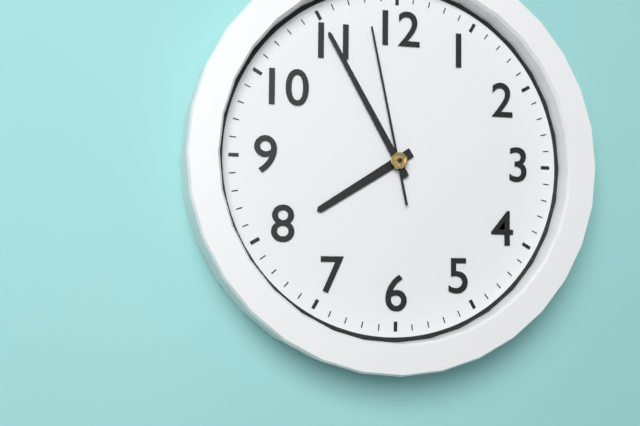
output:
7 h 55 min 58 s
